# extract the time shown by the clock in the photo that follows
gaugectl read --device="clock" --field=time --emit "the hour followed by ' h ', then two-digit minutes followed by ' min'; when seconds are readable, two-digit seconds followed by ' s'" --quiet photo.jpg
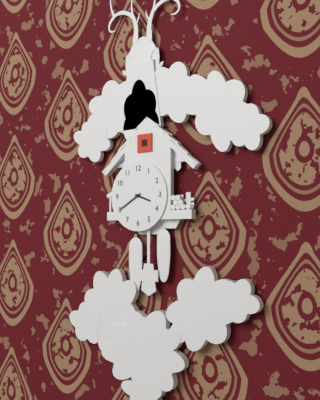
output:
3 h 40 min
